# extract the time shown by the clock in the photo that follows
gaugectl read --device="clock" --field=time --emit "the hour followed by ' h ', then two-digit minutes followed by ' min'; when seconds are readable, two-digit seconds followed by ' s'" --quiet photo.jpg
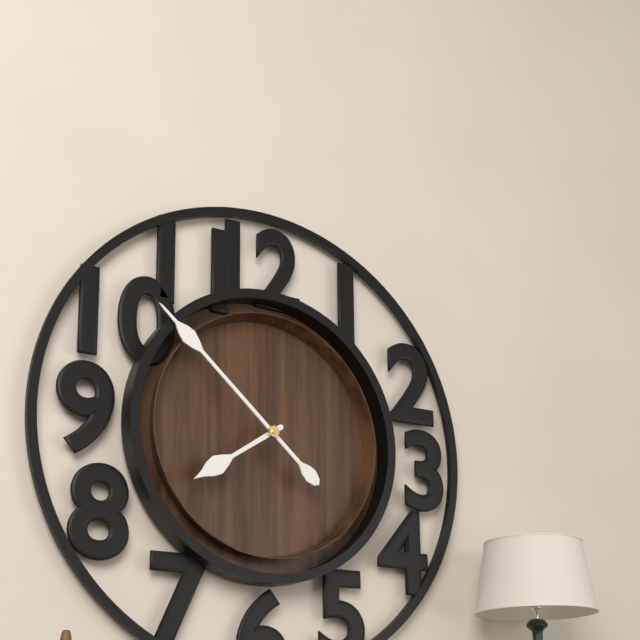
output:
7 h 52 min
